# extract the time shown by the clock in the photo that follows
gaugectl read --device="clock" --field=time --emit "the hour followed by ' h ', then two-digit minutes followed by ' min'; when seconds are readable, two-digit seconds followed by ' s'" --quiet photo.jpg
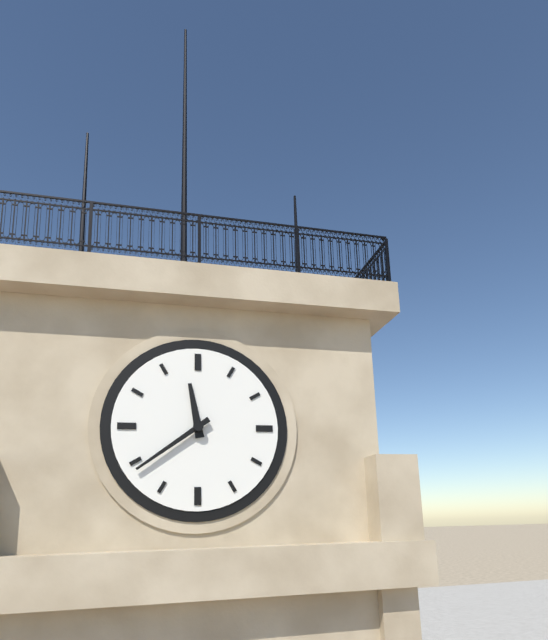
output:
11 h 39 min
